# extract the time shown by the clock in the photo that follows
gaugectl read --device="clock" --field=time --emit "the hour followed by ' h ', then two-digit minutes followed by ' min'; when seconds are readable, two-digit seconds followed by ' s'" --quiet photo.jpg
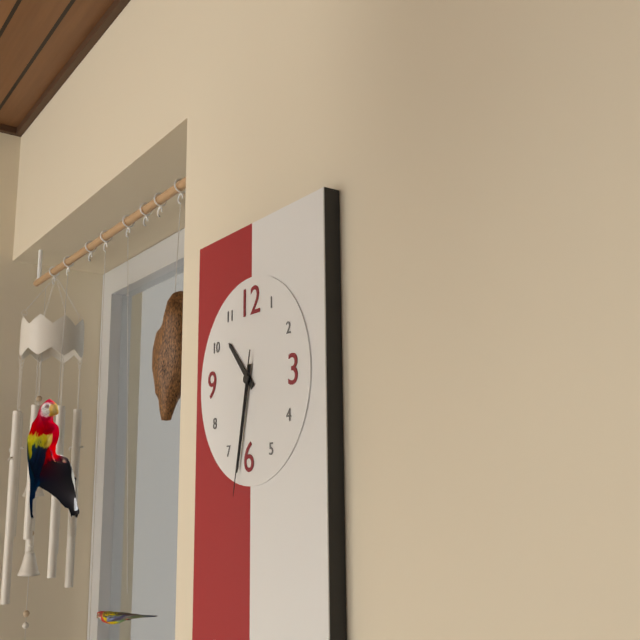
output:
10 h 32 min 32 s
